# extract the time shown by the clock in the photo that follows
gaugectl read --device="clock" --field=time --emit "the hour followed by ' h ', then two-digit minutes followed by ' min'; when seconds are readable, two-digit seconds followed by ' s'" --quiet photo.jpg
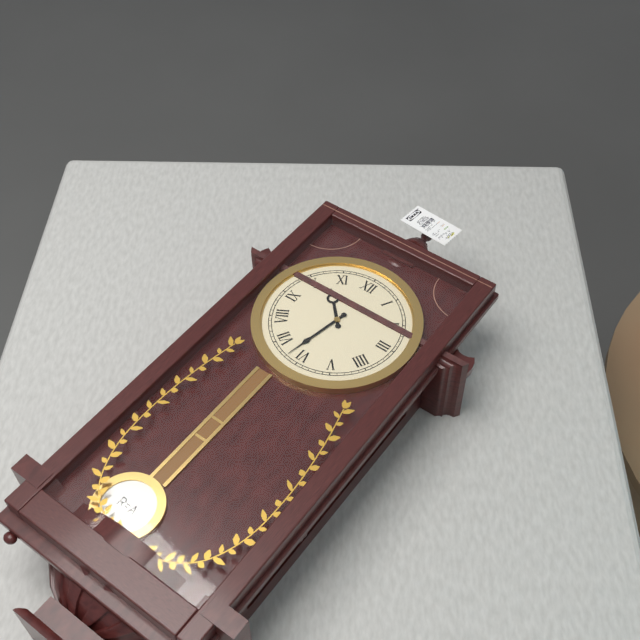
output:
10 h 32 min
